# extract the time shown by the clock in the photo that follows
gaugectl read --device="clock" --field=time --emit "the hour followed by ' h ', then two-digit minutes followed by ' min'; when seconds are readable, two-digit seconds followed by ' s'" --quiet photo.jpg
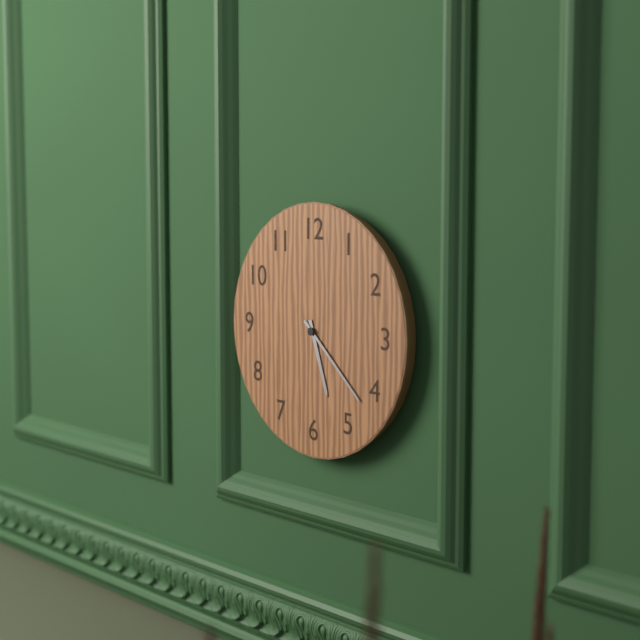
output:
5 h 22 min
